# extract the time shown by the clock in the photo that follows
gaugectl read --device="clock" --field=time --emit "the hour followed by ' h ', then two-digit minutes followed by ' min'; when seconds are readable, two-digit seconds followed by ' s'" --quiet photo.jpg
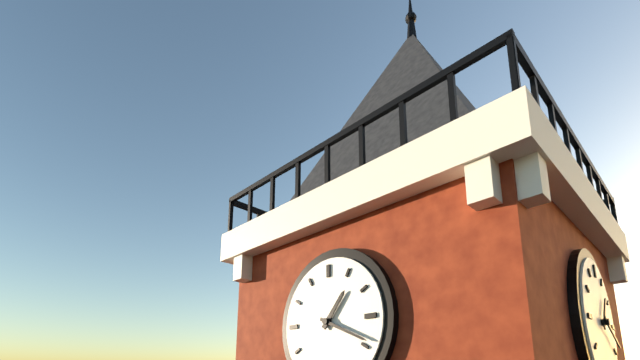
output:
1 h 19 min
